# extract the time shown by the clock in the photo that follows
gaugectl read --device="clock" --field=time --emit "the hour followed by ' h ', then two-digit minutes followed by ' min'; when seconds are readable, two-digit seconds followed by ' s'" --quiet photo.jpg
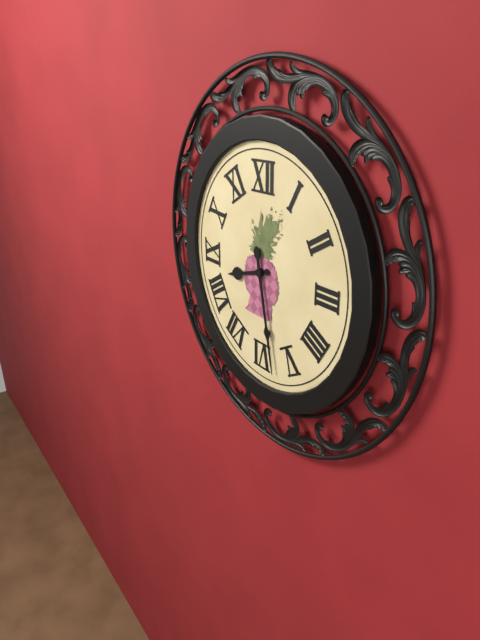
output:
8 h 28 min
